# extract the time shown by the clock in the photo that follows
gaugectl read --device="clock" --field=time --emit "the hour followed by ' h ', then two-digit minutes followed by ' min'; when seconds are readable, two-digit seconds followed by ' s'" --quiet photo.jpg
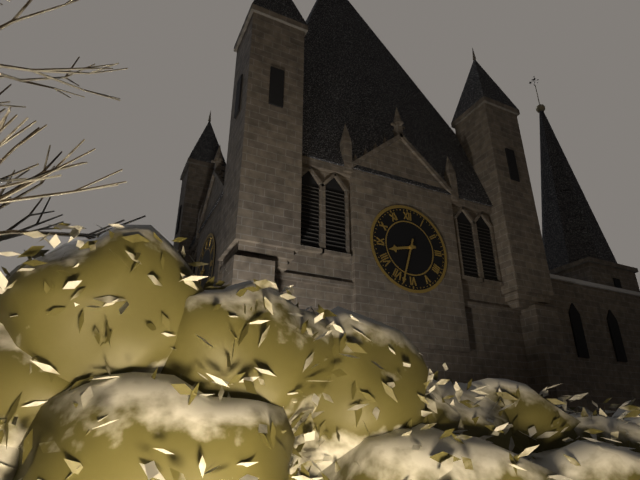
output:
8 h 33 min
